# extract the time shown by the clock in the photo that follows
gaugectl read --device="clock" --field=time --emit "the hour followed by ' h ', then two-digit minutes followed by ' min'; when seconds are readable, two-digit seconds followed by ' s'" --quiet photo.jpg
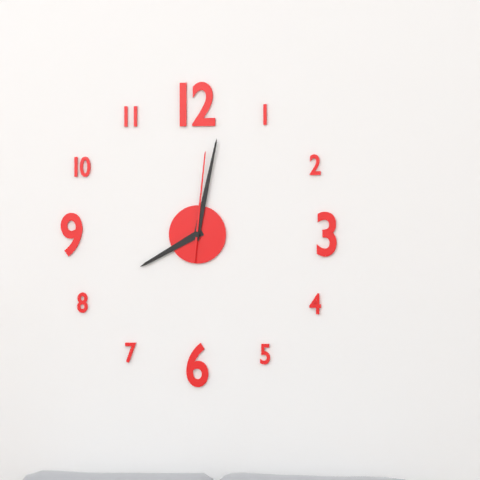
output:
8 h 02 min 01 s
